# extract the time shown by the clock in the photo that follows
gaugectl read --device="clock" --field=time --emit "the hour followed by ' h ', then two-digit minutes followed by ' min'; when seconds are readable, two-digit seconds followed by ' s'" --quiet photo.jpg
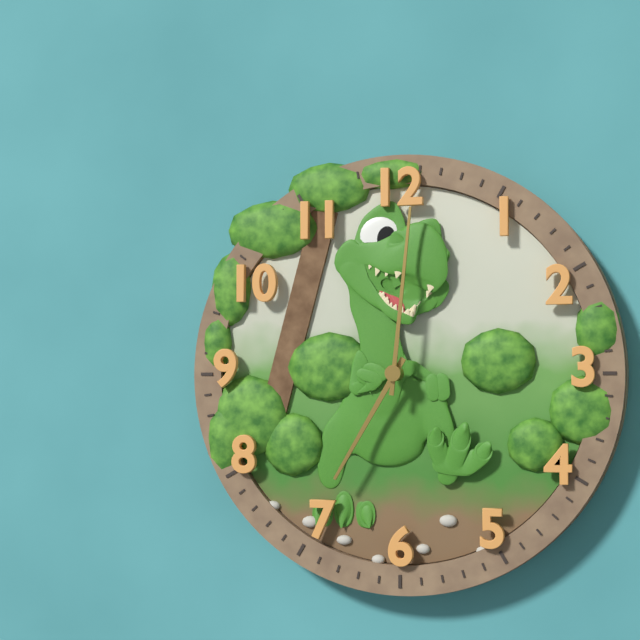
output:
7 h 01 min
